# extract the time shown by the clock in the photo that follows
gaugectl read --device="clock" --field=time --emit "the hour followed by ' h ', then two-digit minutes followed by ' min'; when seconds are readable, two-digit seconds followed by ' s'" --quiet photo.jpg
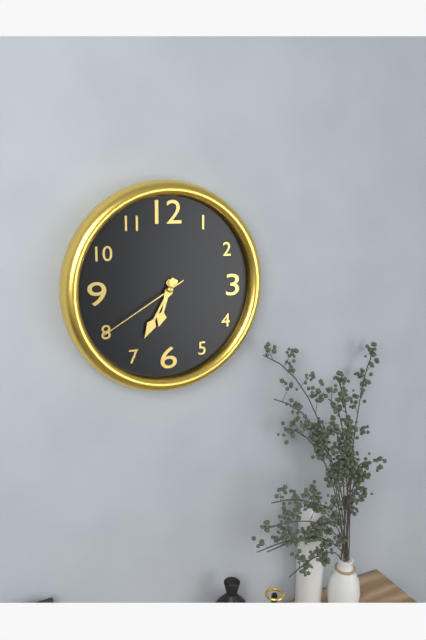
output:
6 h 35 min 40 s
